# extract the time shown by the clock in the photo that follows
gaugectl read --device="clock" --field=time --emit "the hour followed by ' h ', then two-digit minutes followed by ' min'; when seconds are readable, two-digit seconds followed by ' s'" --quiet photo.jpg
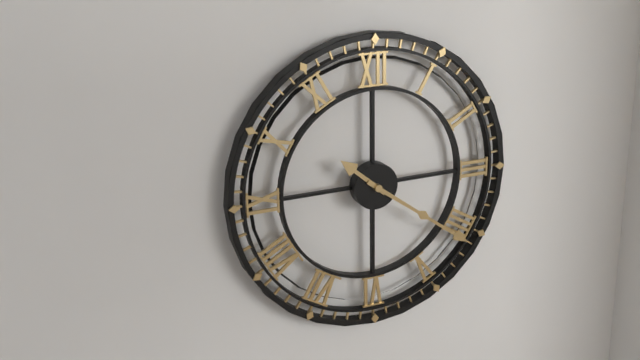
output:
10 h 21 min
